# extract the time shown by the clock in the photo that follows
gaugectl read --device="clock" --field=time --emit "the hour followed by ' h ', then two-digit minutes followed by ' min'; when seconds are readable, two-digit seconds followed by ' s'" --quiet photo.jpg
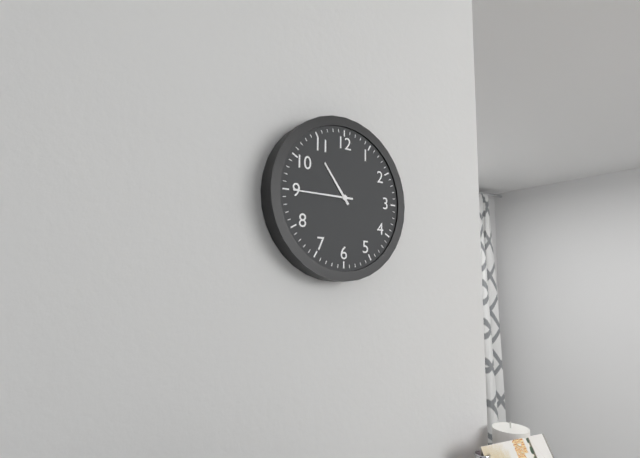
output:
10 h 45 min
